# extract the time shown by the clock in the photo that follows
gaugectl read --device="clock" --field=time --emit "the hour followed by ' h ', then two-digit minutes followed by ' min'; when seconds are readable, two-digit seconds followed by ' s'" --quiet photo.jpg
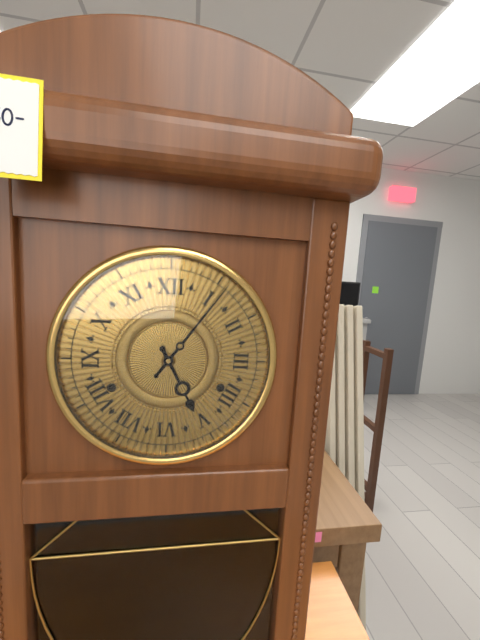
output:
5 h 06 min
